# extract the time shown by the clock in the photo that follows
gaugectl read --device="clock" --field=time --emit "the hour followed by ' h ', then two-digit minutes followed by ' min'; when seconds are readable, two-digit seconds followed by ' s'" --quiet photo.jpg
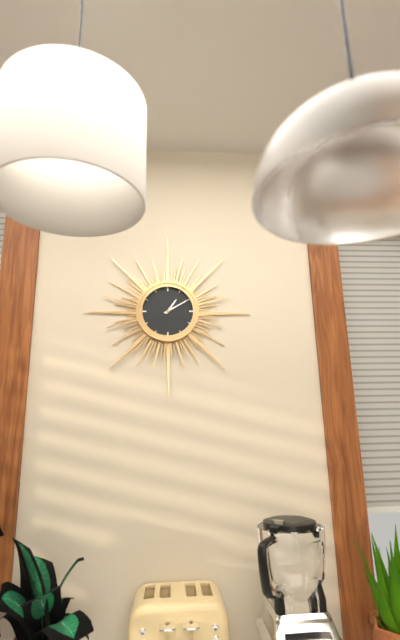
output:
1 h 10 min
